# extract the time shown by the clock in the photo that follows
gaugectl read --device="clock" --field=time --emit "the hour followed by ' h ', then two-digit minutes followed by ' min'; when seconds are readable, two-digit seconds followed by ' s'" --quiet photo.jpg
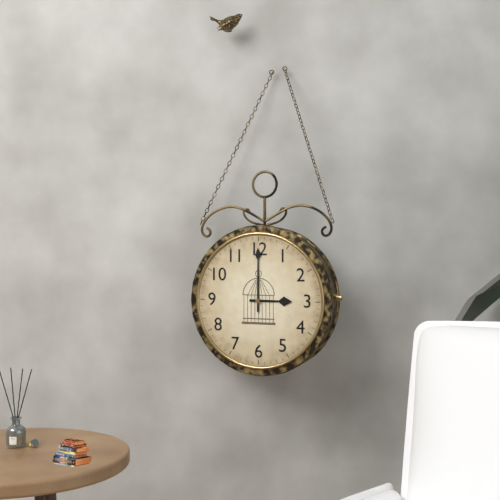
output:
3 h 00 min
